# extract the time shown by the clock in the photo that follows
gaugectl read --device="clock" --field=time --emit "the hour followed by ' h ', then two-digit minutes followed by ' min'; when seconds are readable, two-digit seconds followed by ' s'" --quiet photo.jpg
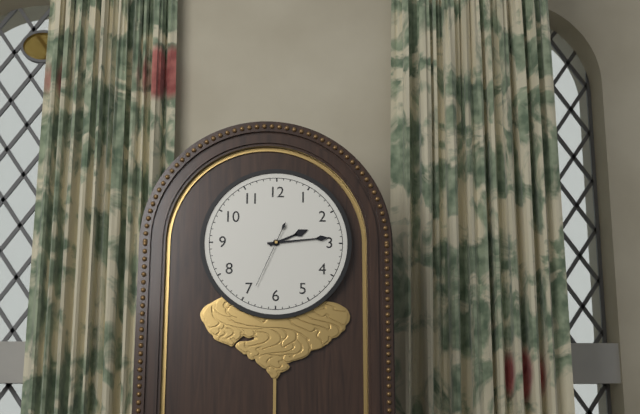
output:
2 h 14 min 34 s
